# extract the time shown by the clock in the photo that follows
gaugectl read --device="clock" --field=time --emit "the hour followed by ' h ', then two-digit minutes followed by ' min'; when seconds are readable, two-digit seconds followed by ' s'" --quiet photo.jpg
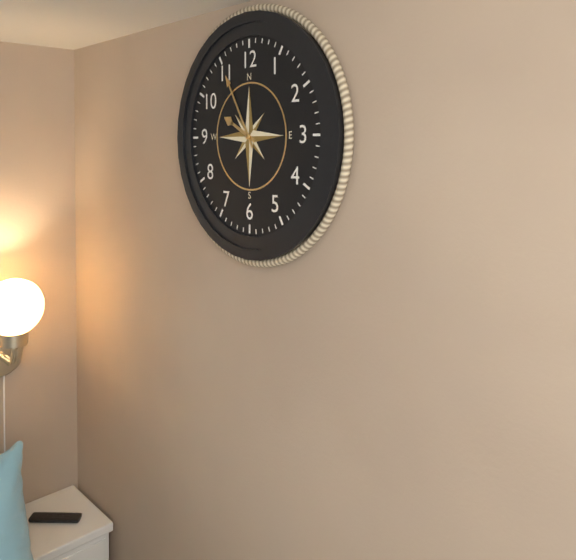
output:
9 h 55 min
